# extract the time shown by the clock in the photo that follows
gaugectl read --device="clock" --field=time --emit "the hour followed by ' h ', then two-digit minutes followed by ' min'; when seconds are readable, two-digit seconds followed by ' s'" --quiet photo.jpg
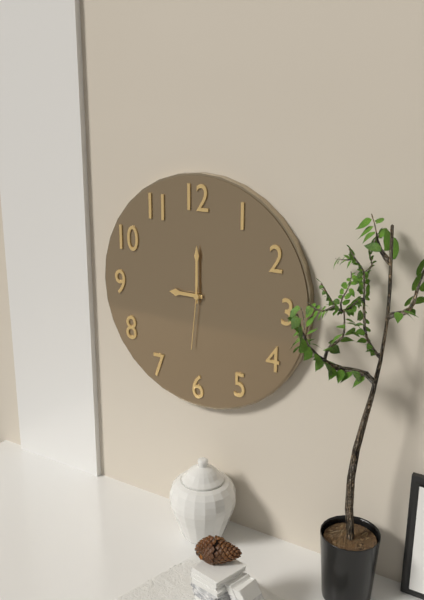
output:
9 h 00 min 31 s
